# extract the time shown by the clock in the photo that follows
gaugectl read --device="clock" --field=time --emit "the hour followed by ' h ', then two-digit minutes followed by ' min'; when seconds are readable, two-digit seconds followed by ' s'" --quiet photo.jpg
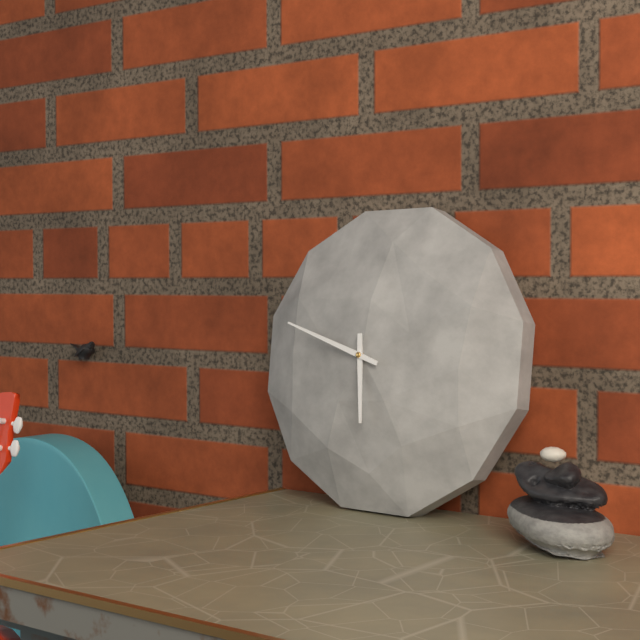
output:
5 h 48 min
